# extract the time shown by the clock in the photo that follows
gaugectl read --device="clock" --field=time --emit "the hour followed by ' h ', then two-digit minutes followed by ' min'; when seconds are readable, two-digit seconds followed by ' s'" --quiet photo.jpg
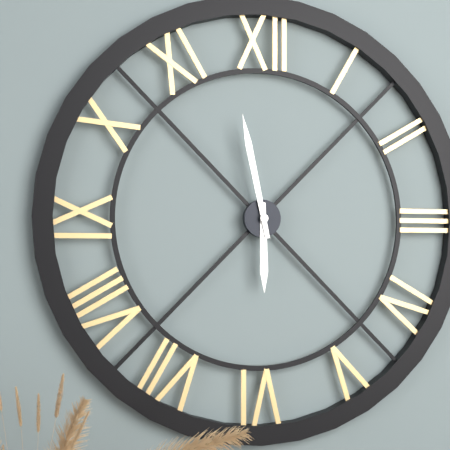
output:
5 h 58 min
